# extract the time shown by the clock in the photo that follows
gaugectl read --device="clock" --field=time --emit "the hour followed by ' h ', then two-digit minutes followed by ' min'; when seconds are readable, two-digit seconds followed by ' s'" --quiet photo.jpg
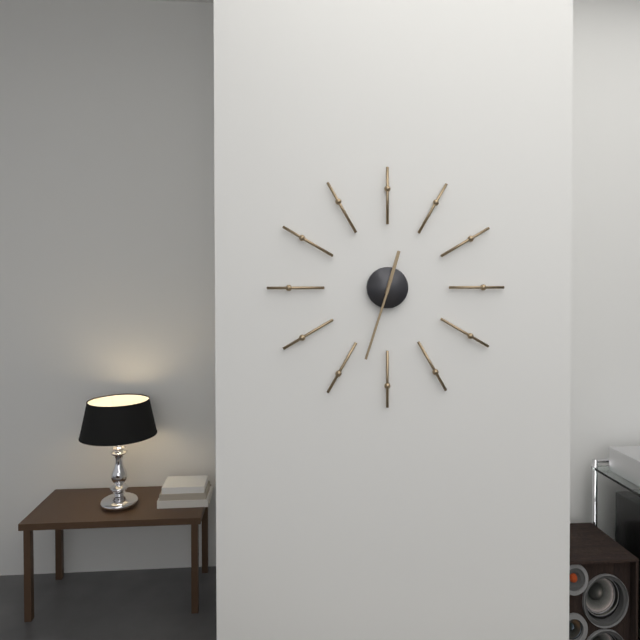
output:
12 h 33 min
